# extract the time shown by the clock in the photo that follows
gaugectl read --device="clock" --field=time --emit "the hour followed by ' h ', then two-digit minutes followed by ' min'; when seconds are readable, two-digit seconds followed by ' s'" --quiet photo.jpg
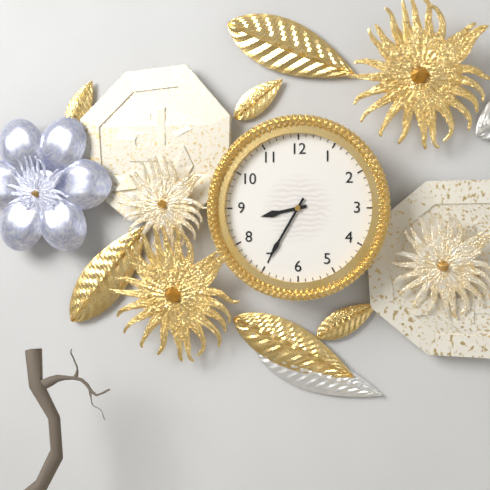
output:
8 h 35 min
